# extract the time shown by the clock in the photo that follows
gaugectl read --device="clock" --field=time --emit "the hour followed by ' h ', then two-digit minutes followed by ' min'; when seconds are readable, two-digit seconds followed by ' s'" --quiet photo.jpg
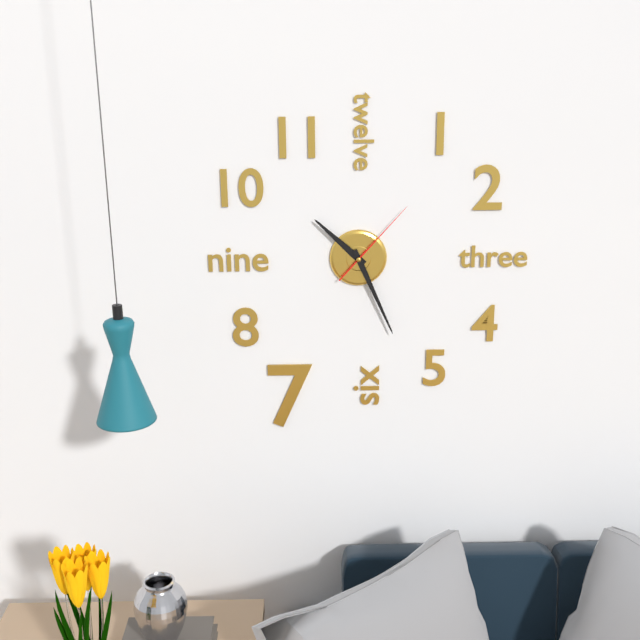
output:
10 h 26 min 07 s
